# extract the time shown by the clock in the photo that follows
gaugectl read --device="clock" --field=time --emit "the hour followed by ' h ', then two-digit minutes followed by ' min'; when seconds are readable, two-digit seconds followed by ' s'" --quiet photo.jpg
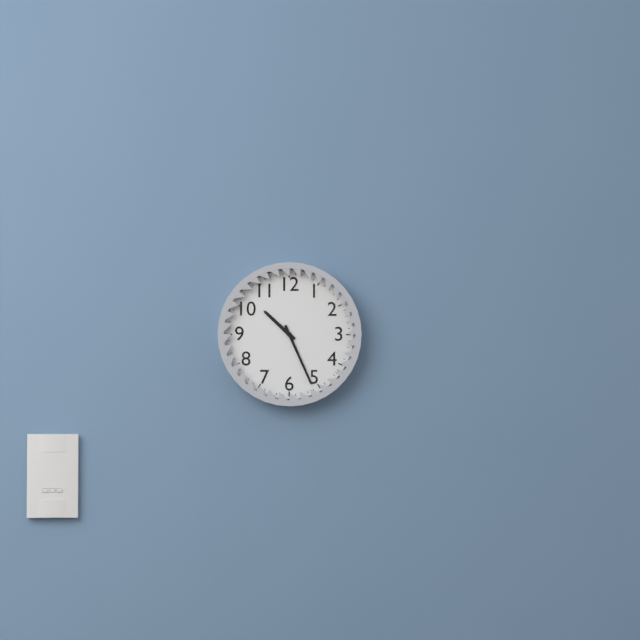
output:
10 h 26 min
